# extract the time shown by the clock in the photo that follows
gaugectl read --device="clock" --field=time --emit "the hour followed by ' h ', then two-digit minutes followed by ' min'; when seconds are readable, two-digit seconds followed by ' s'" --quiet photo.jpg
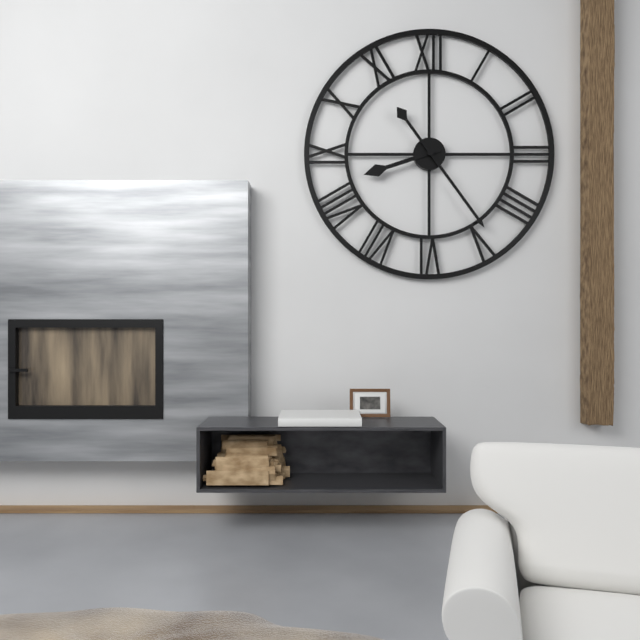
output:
8 h 24 min
